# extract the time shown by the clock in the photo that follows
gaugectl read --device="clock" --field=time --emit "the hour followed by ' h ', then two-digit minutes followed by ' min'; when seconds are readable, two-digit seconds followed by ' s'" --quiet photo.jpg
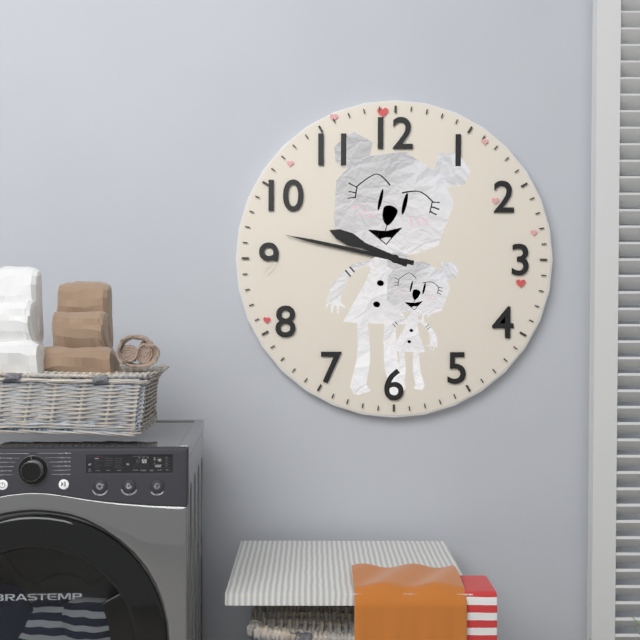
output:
9 h 47 min
